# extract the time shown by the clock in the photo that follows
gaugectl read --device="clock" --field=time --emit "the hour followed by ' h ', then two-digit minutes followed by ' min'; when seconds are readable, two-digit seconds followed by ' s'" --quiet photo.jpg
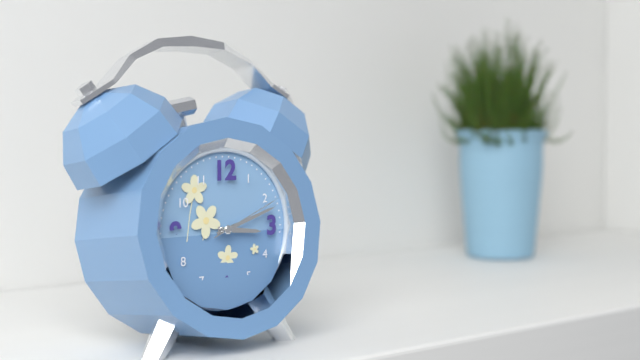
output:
3 h 12 min 11 s
